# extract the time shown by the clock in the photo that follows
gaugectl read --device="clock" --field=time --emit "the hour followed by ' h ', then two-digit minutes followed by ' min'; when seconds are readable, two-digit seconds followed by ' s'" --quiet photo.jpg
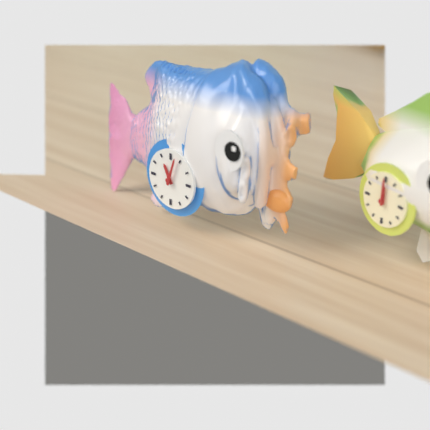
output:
11 h 03 min
